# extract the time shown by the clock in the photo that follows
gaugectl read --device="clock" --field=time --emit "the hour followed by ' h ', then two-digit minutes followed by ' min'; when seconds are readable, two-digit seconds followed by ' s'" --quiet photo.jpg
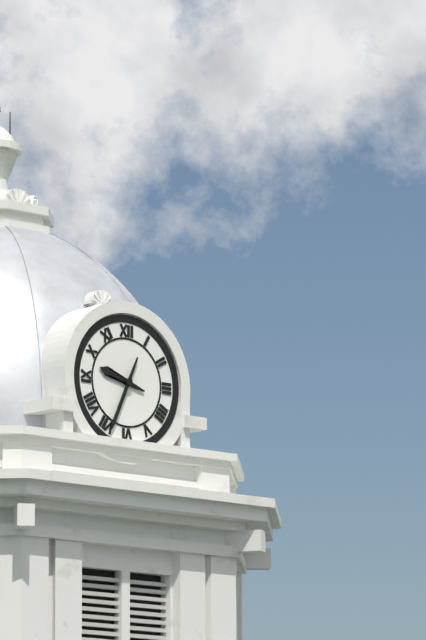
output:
9 h 34 min
